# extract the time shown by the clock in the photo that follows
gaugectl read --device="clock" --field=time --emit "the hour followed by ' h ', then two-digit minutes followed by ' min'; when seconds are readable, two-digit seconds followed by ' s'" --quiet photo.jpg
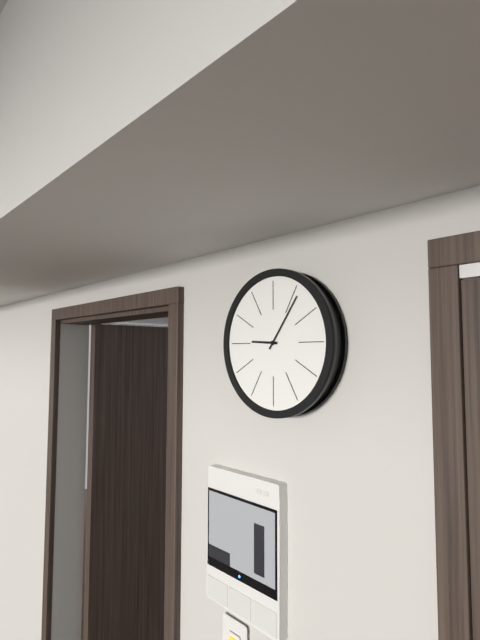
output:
9 h 06 min
